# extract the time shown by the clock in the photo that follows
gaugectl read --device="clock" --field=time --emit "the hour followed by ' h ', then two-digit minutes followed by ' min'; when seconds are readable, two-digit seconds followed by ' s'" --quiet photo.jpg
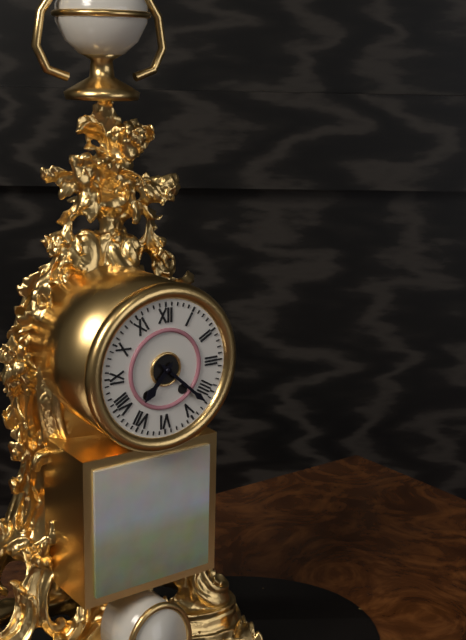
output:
7 h 22 min
